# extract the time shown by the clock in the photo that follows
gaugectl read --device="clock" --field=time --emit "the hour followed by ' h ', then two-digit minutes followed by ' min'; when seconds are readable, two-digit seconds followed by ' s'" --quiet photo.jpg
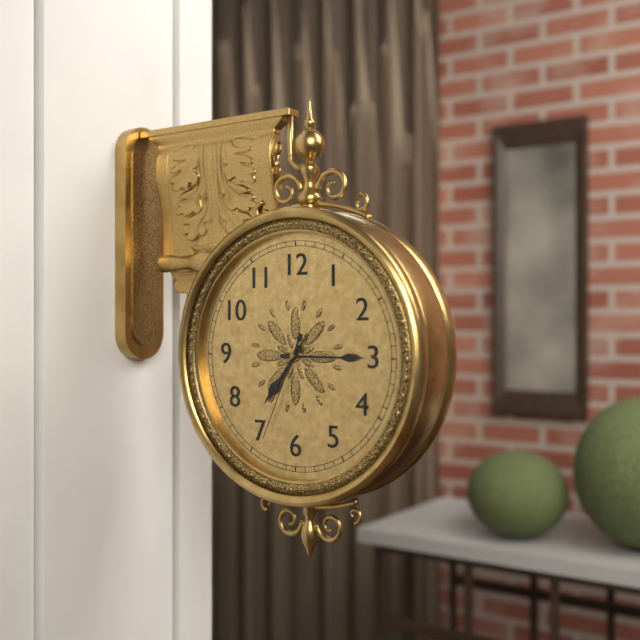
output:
7 h 15 min 34 s
